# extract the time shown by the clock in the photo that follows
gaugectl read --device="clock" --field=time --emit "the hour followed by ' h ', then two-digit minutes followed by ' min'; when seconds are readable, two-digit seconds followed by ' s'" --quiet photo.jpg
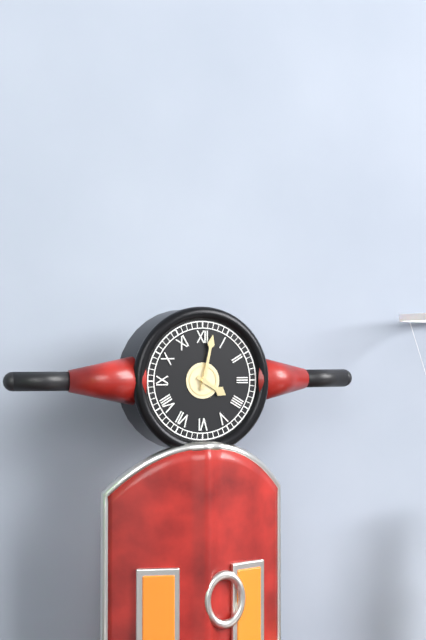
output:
4 h 02 min
